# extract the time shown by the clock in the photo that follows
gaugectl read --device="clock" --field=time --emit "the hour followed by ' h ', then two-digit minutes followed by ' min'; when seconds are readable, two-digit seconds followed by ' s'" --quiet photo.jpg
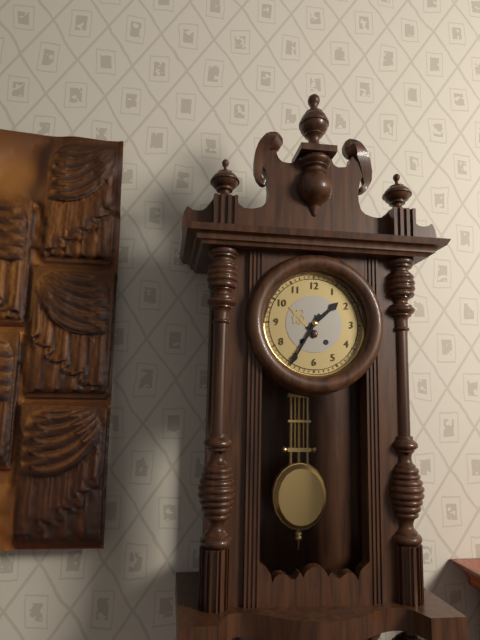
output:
1 h 35 min
